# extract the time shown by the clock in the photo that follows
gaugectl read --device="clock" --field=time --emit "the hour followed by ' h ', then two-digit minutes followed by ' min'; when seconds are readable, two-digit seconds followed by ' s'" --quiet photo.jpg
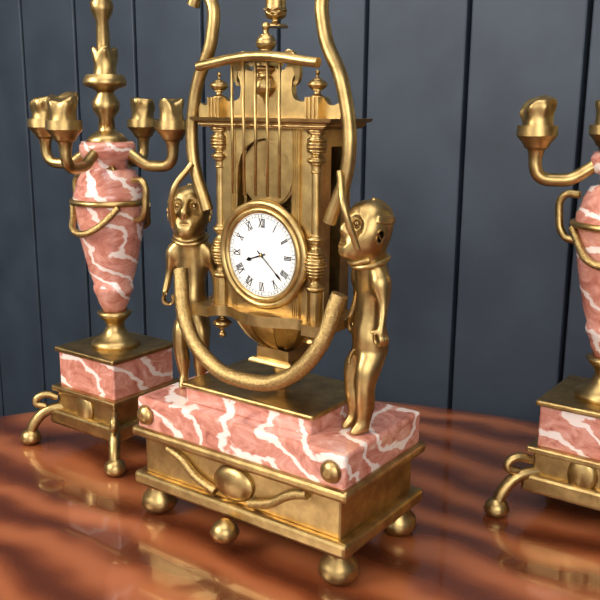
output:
8 h 22 min
